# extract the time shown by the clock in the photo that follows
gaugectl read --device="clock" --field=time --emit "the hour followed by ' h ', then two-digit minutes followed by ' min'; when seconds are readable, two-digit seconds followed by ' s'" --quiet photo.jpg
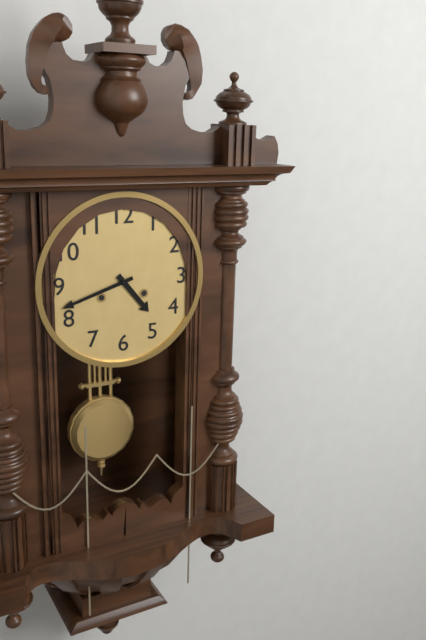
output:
4 h 42 min
